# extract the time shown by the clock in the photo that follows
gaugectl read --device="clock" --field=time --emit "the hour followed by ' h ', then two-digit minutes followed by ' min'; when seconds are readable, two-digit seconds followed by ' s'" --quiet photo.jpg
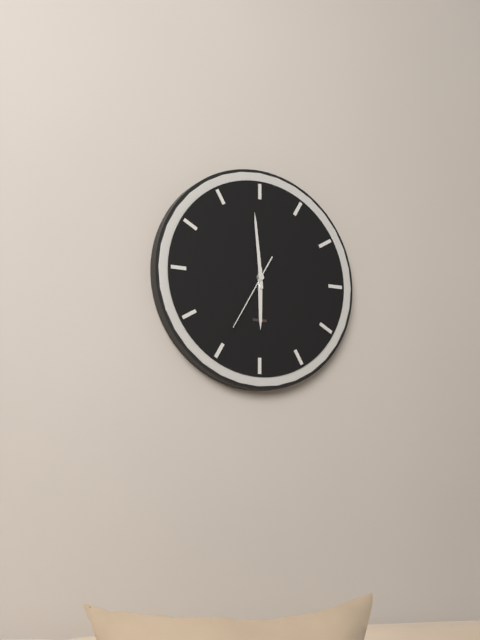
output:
5 h 59 min 35 s
